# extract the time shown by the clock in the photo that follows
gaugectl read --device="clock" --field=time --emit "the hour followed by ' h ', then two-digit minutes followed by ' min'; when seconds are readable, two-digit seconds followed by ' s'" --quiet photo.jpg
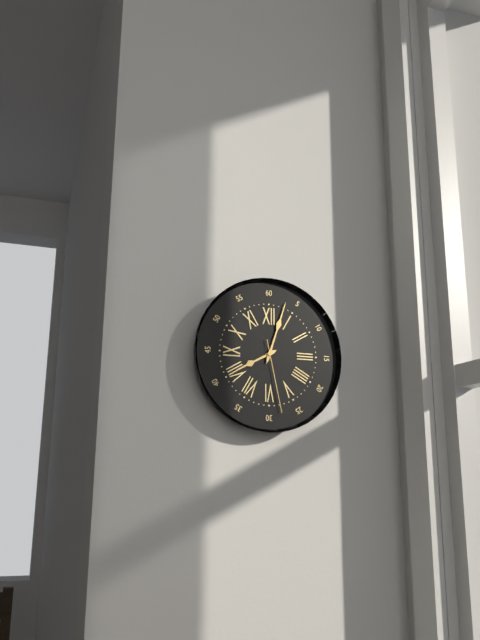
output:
8 h 03 min 28 s
